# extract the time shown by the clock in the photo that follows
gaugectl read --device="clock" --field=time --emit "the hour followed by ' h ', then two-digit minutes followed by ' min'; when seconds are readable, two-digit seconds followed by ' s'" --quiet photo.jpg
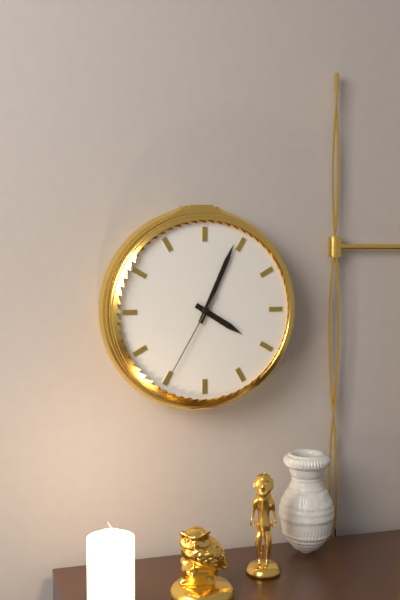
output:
4 h 04 min 35 s
